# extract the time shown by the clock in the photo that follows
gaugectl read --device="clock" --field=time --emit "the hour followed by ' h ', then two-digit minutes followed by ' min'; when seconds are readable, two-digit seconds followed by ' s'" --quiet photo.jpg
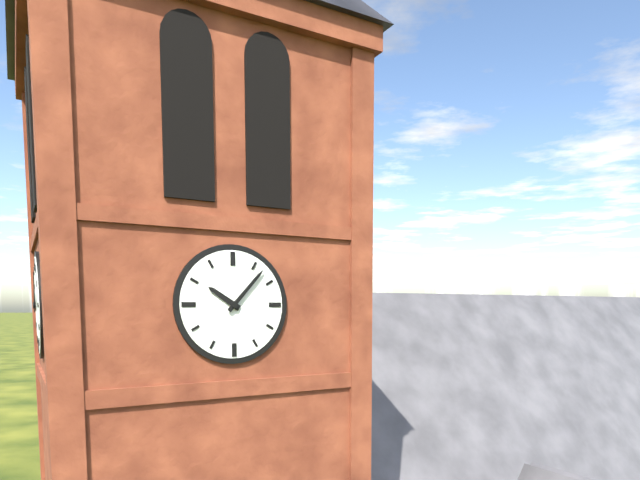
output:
10 h 07 min
